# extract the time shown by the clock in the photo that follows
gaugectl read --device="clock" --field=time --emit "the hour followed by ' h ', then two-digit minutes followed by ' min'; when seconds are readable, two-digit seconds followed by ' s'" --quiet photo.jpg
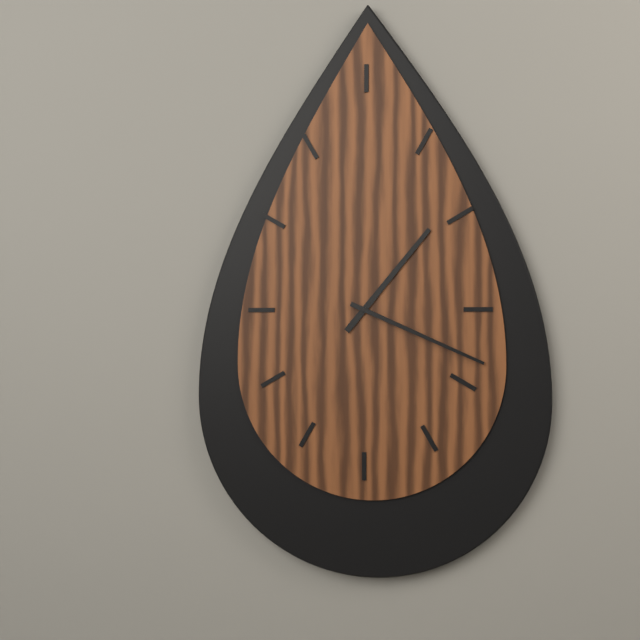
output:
1 h 19 min
